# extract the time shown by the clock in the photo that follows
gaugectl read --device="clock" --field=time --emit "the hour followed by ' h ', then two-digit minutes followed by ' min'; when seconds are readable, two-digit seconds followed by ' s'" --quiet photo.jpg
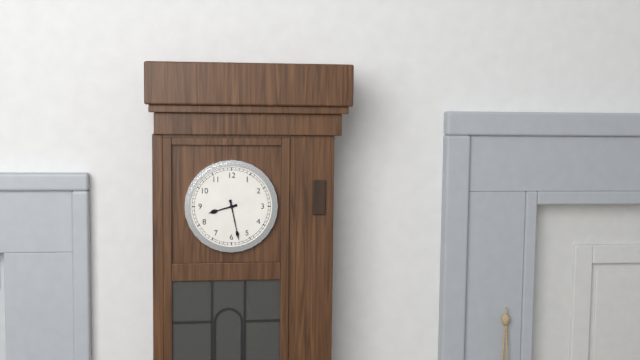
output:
8 h 28 min
